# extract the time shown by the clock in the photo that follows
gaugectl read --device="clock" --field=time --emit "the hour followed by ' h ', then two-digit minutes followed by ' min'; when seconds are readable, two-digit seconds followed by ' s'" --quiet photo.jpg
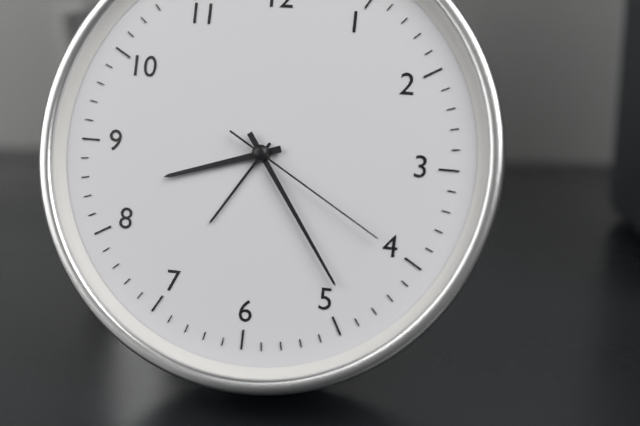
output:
8 h 24 min 20 s
